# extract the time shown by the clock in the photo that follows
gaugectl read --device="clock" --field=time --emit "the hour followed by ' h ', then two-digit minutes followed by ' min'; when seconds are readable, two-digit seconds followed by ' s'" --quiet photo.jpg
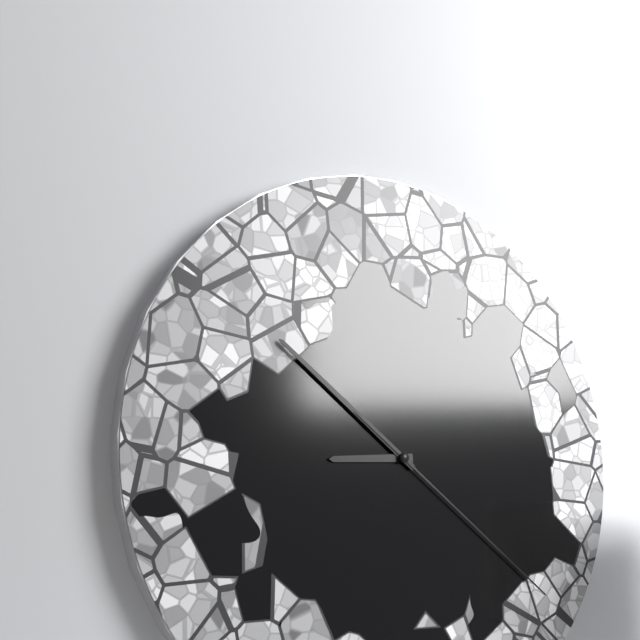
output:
8 h 51 min 21 s
